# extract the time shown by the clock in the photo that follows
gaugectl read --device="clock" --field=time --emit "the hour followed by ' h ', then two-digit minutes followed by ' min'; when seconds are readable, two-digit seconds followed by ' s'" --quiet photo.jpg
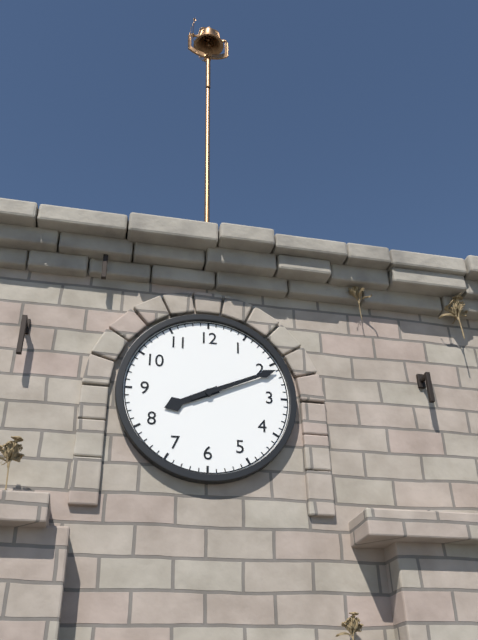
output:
8 h 11 min
